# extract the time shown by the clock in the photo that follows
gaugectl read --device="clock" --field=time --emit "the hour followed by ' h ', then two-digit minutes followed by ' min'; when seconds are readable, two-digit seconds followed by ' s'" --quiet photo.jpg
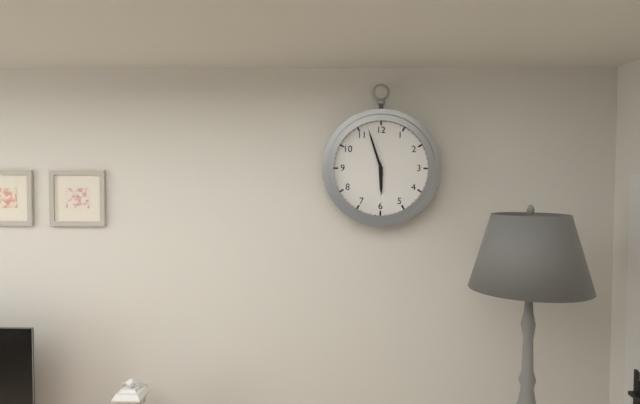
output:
5 h 57 min
